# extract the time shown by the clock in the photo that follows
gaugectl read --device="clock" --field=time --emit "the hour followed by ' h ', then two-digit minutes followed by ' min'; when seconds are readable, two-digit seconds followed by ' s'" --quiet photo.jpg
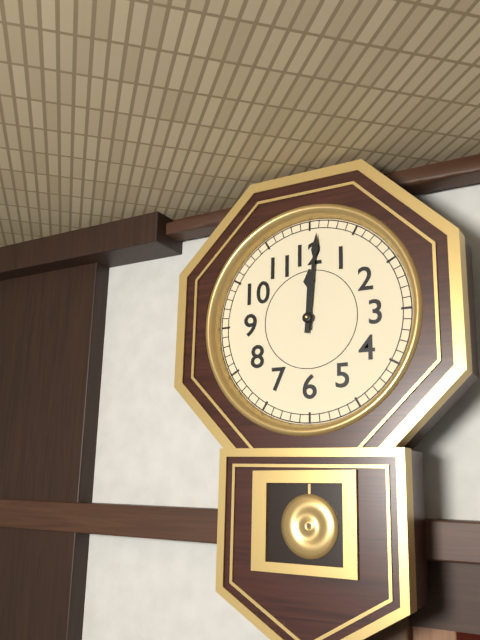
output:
12 h 01 min
